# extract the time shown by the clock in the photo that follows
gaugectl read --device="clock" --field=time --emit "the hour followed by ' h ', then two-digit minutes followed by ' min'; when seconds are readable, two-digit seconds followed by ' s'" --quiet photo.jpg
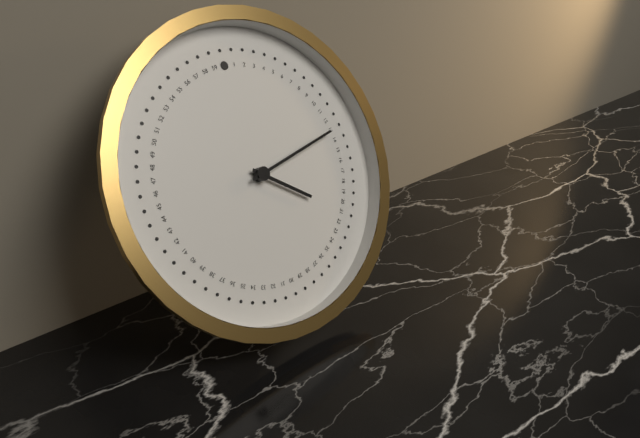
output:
4 h 13 min
